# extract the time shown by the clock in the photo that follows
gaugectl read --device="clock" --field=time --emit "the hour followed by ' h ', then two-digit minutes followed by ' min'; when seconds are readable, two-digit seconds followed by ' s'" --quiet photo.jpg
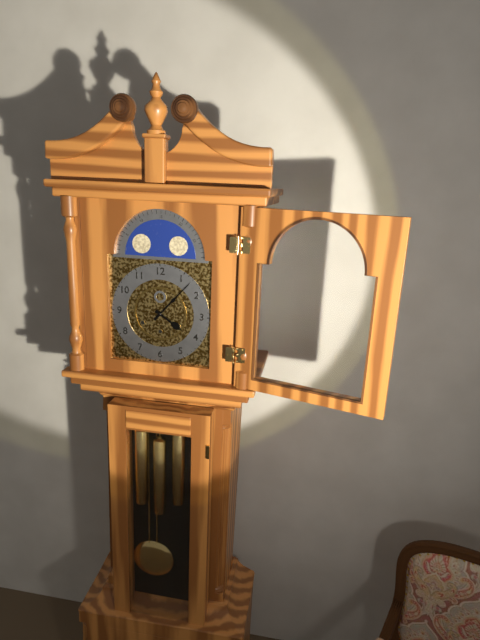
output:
4 h 07 min
